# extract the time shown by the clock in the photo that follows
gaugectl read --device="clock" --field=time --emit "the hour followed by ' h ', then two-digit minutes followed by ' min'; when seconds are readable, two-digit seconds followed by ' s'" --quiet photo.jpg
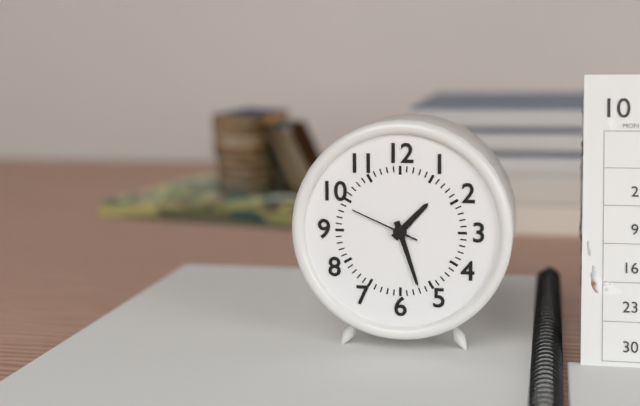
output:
1 h 27 min 49 s
